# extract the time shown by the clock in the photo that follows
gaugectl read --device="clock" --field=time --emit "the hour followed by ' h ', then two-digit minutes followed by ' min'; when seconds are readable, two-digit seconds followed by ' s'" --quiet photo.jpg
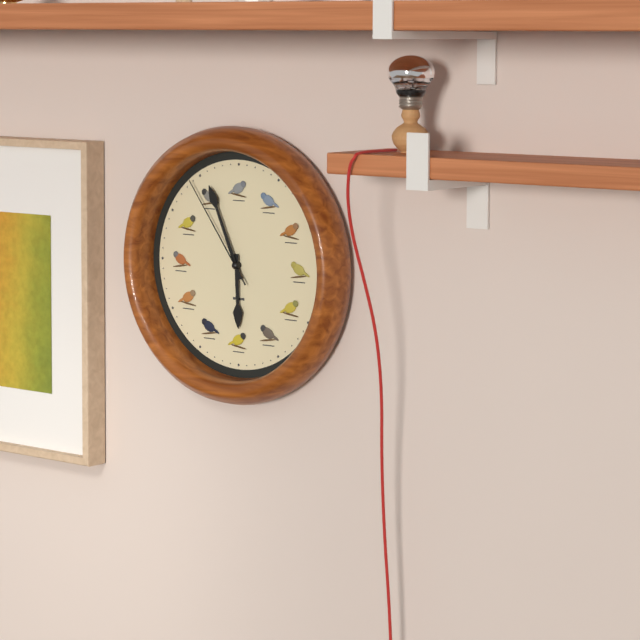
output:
5 h 56 min 54 s
